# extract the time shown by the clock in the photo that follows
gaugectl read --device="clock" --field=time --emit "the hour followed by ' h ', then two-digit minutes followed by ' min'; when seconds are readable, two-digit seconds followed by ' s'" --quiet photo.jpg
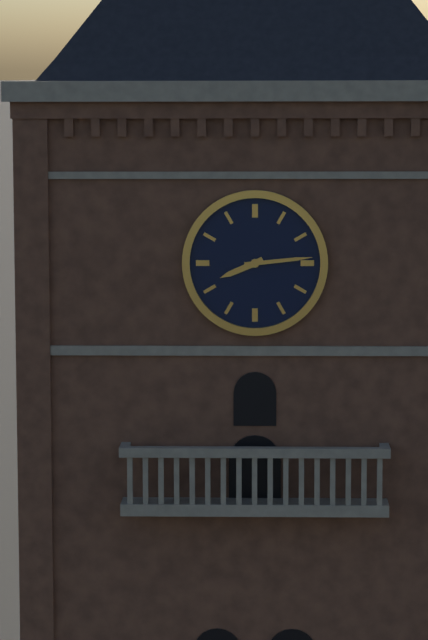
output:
8 h 14 min
